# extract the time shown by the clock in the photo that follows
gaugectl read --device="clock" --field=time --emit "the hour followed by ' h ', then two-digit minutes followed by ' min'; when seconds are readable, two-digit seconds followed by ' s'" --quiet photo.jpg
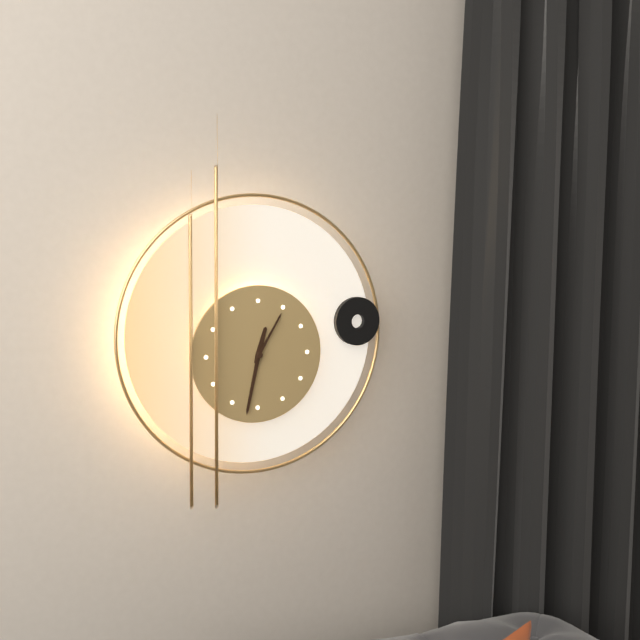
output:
12 h 32 min 05 s
